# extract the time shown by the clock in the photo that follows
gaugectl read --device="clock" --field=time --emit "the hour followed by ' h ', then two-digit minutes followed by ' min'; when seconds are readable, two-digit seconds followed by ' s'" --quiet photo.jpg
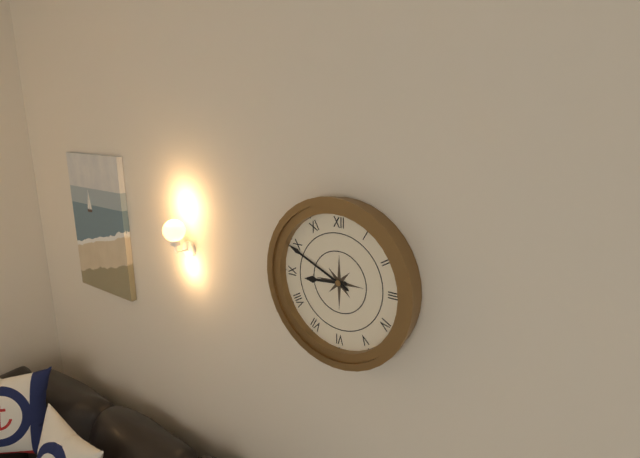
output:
8 h 49 min
